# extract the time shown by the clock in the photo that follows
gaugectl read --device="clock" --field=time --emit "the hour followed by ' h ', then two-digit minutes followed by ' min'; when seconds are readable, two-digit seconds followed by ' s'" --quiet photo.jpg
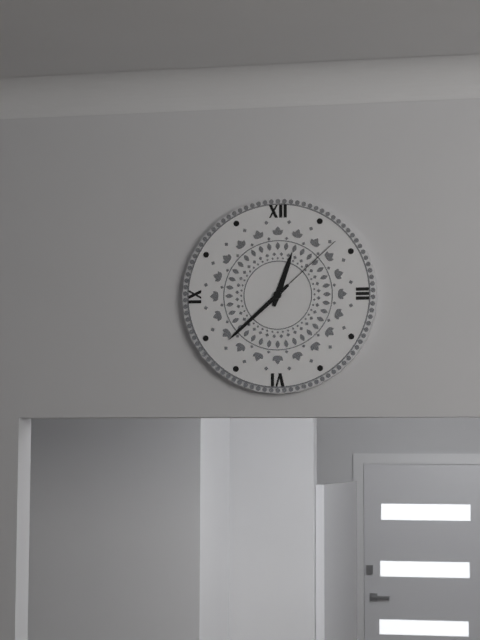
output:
12 h 38 min 08 s
